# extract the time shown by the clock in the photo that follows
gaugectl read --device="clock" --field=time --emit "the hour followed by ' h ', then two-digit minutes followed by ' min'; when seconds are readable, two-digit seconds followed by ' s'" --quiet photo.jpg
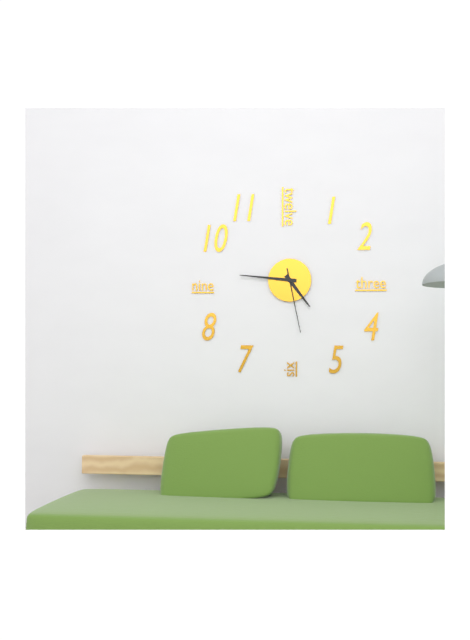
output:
4 h 46 min 28 s
